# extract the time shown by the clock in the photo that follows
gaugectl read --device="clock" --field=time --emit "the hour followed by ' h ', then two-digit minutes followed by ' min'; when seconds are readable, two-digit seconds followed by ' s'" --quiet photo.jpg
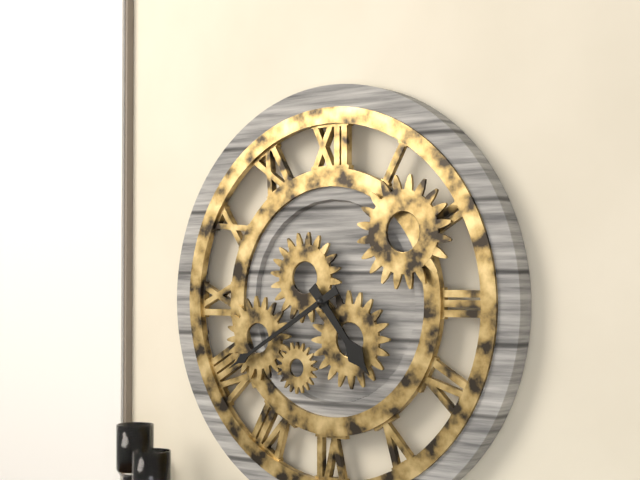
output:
4 h 40 min
